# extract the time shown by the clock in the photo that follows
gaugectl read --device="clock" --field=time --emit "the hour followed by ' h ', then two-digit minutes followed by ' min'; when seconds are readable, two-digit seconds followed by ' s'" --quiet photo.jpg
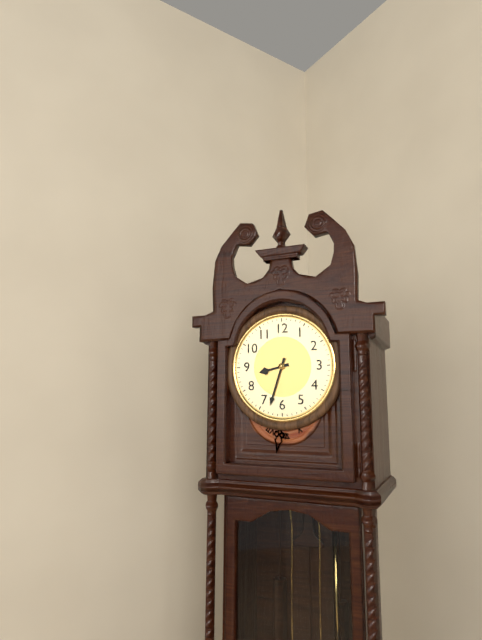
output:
8 h 33 min
